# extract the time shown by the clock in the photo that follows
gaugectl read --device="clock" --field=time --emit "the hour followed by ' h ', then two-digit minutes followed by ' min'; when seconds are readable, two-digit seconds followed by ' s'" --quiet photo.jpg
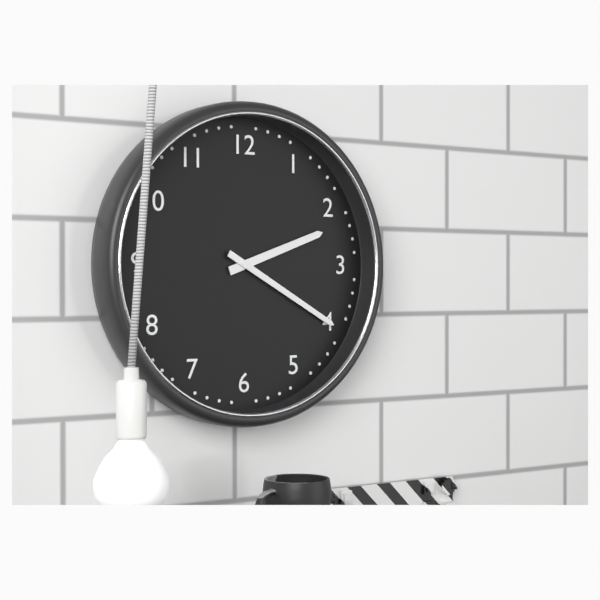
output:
2 h 20 min
